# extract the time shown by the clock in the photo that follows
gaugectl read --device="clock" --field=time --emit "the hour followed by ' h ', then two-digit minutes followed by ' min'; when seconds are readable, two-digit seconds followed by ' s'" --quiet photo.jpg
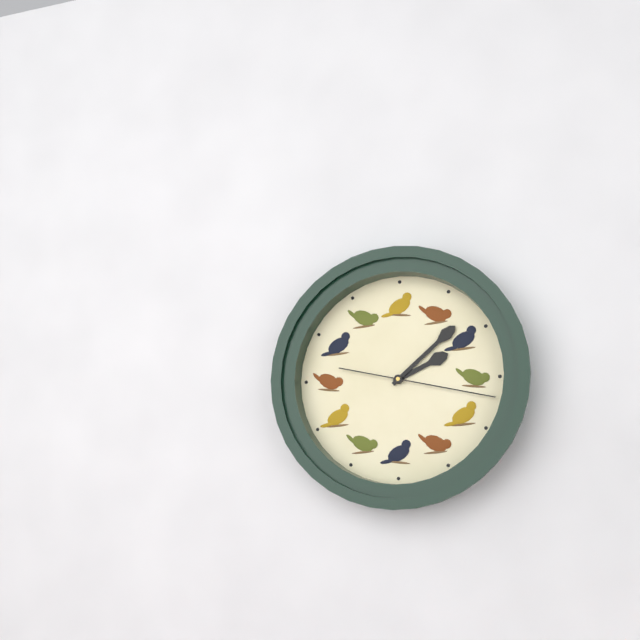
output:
2 h 08 min 17 s
